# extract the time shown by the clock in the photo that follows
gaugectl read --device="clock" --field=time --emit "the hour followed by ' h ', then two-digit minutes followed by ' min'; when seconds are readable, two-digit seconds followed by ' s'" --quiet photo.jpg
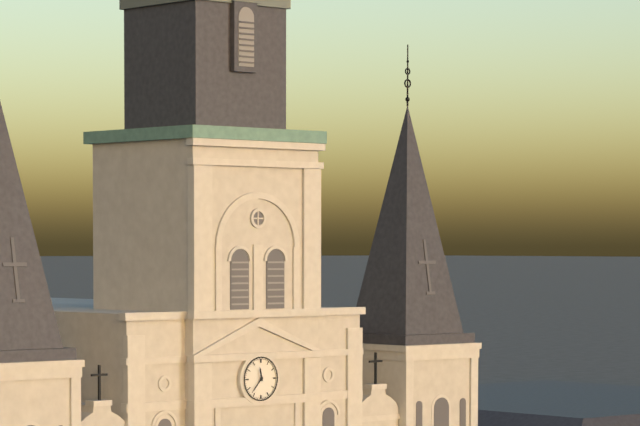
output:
11 h 37 min
